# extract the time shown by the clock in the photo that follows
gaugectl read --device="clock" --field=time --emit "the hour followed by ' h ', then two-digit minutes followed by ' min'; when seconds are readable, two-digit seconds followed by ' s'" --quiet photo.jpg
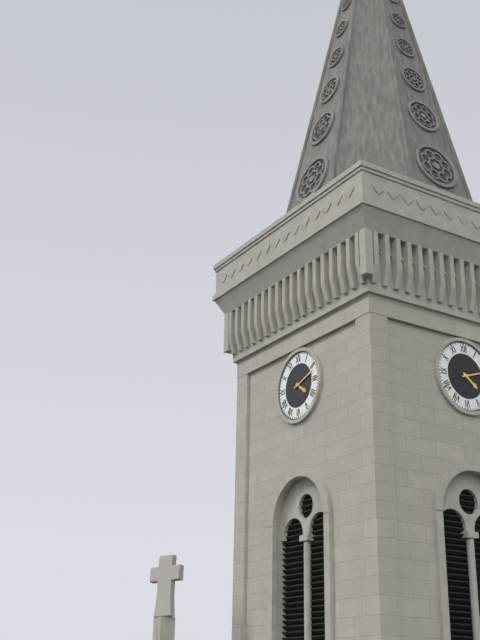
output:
4 h 12 min
